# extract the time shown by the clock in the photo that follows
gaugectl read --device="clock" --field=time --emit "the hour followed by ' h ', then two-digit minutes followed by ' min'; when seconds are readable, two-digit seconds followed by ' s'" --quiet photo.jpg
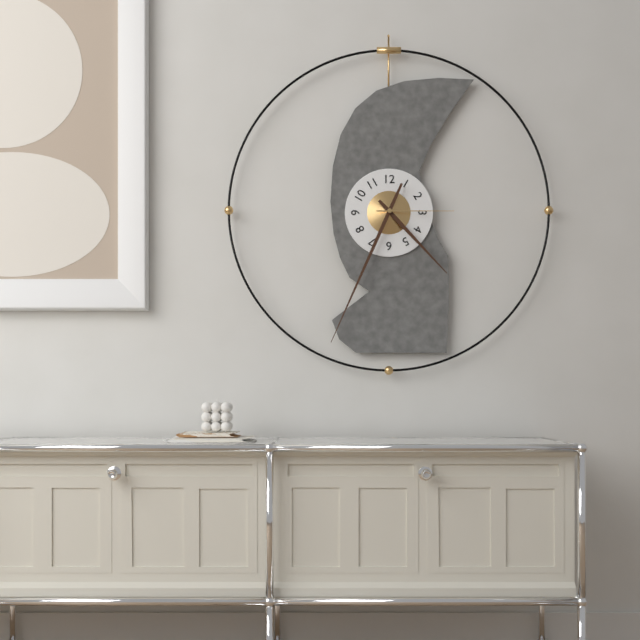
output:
4 h 34 min 15 s
